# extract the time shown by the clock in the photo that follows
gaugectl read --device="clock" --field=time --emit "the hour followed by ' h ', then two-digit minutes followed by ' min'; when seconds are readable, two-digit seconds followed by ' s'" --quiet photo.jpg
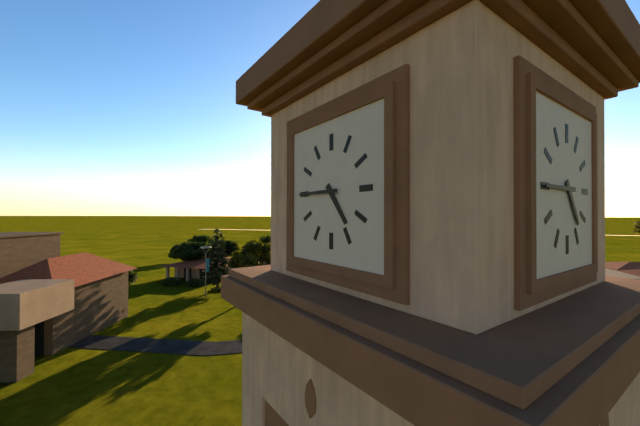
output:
4 h 45 min
